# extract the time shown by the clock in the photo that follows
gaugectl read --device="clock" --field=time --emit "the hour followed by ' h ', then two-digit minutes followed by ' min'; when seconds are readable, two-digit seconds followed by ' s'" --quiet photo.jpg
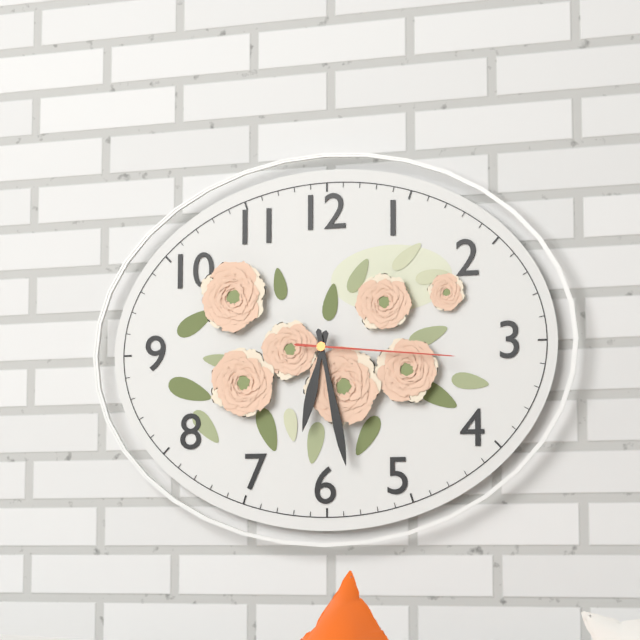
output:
6 h 28 min 16 s
